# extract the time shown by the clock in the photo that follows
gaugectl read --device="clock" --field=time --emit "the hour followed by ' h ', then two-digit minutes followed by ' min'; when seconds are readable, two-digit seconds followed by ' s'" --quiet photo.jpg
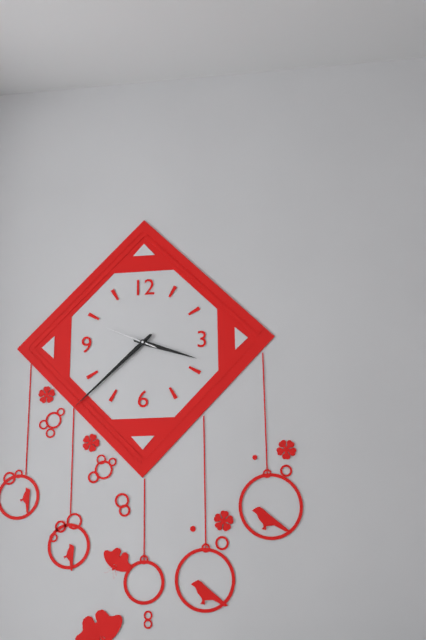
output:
3 h 38 min 49 s
